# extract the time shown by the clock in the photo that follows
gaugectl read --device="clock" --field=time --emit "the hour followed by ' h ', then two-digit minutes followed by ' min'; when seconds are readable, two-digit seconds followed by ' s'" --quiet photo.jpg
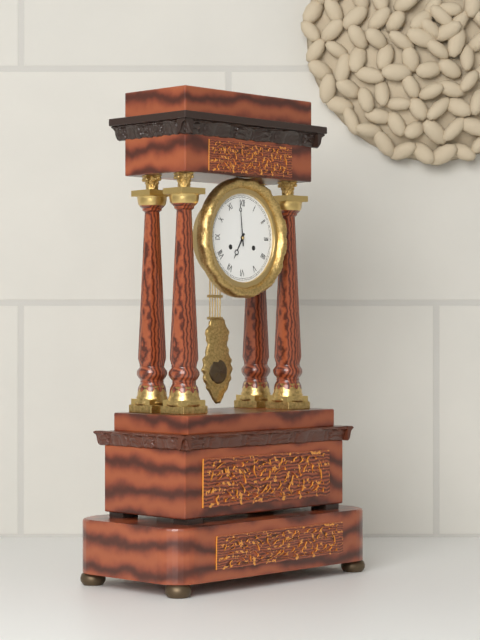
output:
6 h 59 min
